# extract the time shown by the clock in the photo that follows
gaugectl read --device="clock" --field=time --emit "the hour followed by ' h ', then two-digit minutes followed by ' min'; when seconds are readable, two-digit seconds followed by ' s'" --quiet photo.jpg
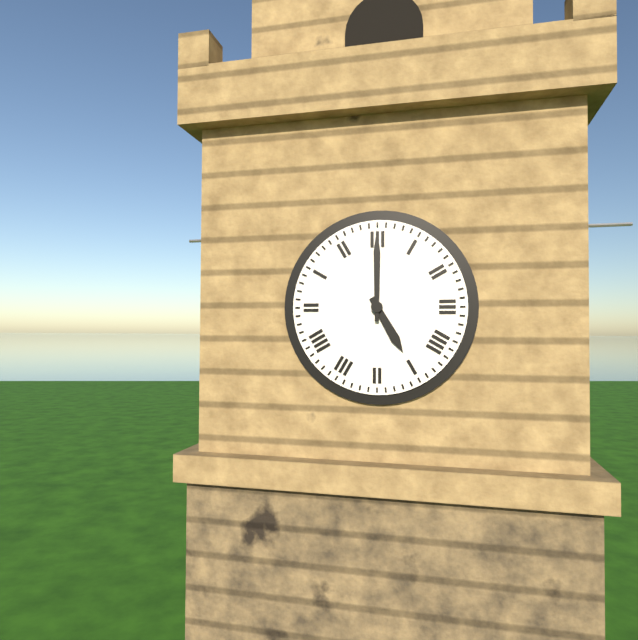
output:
5 h 00 min
